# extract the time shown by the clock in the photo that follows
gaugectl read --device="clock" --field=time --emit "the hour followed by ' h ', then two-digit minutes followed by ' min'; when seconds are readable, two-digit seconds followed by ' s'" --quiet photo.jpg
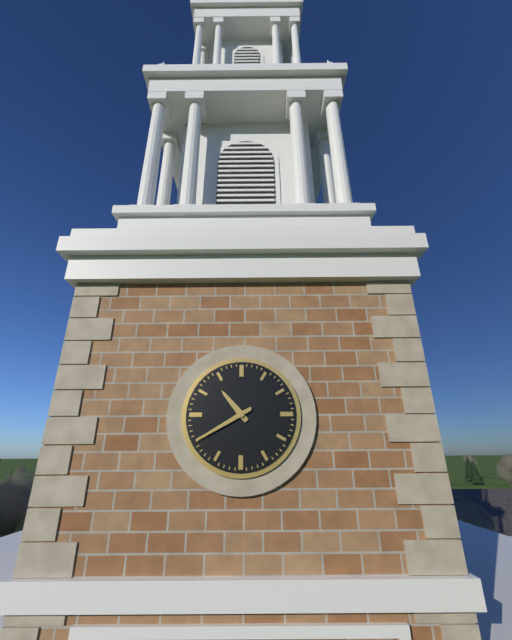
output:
10 h 40 min
